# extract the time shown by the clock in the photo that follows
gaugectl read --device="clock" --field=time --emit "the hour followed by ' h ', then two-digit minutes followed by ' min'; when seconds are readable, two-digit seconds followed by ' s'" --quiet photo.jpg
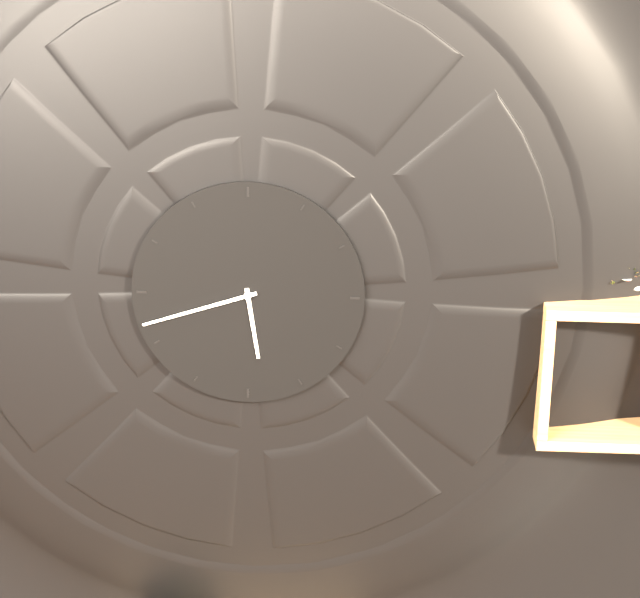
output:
5 h 42 min
